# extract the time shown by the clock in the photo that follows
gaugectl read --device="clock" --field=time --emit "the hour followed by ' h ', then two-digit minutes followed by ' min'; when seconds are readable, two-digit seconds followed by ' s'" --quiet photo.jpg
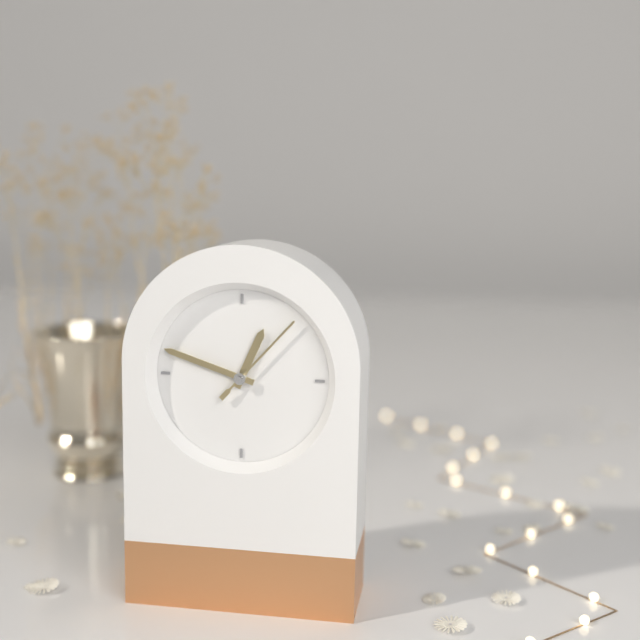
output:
12 h 48 min 07 s
